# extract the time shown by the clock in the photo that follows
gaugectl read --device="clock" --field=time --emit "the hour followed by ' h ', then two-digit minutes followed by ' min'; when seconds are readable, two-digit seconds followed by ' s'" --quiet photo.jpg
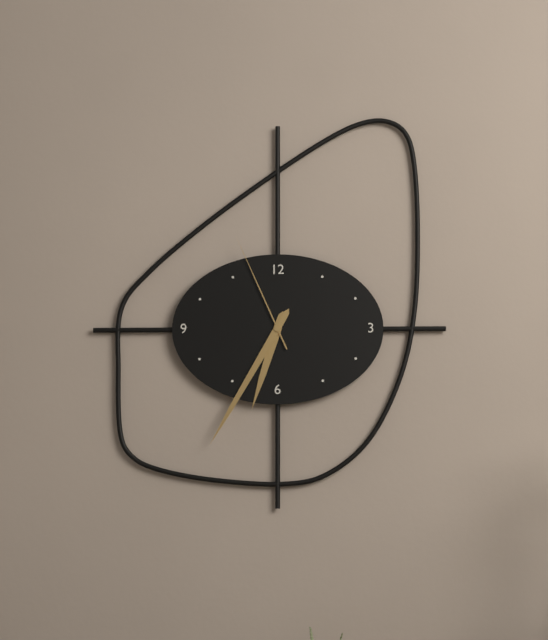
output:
6 h 35 min 56 s
